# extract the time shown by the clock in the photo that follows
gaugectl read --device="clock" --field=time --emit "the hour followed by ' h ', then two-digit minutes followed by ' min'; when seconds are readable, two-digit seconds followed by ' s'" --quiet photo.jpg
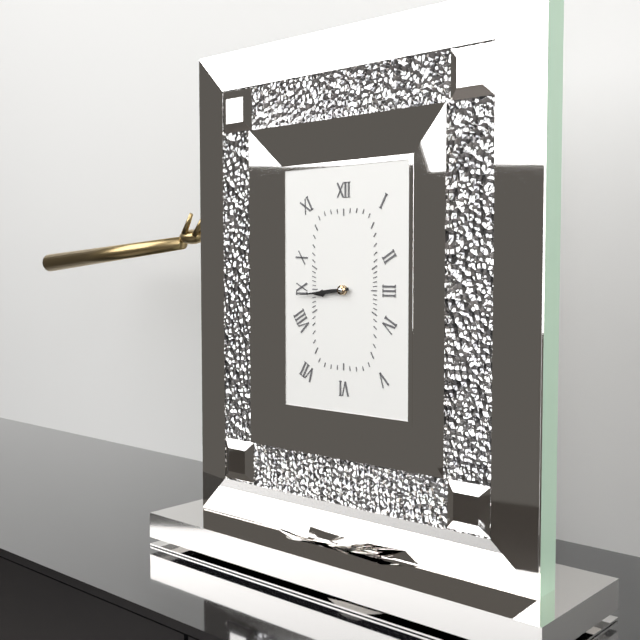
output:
8 h 44 min
